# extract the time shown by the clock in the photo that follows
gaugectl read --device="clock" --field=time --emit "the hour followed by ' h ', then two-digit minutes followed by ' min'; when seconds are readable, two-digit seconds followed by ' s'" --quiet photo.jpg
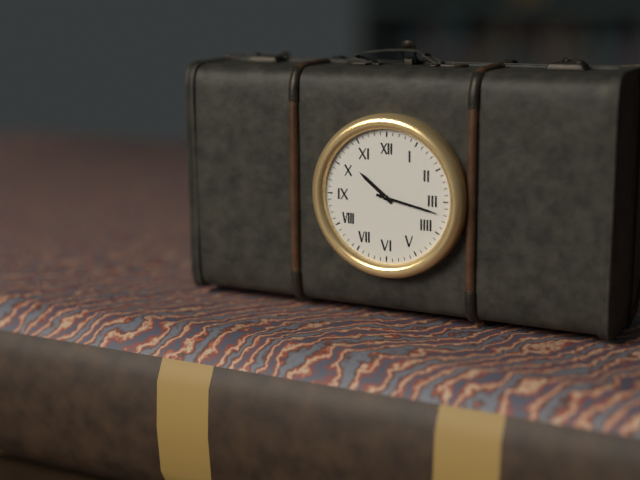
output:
10 h 17 min
